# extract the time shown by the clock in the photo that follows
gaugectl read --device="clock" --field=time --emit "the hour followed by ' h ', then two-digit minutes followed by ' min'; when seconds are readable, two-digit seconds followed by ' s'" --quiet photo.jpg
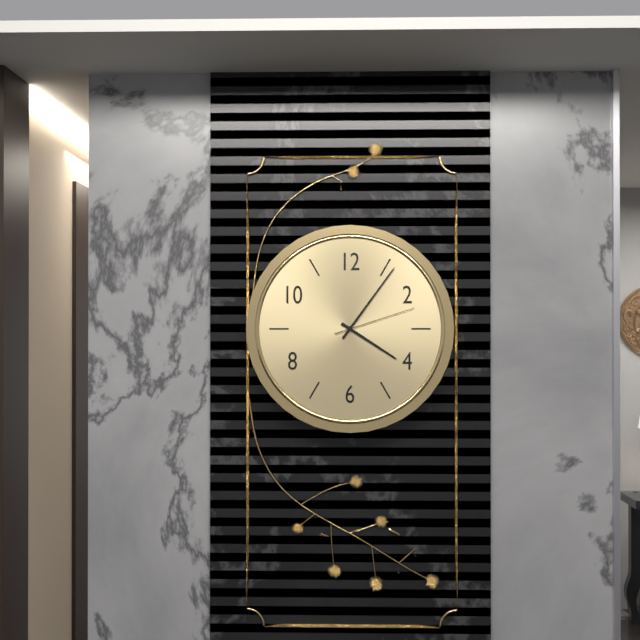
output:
4 h 06 min 12 s
